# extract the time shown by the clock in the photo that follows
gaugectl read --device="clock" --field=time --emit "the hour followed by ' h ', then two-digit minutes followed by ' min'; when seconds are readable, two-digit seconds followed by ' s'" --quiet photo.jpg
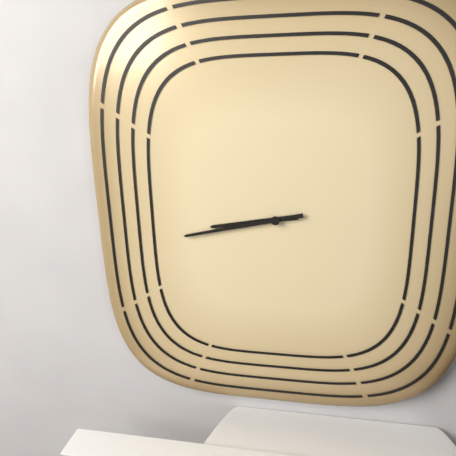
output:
8 h 43 min
